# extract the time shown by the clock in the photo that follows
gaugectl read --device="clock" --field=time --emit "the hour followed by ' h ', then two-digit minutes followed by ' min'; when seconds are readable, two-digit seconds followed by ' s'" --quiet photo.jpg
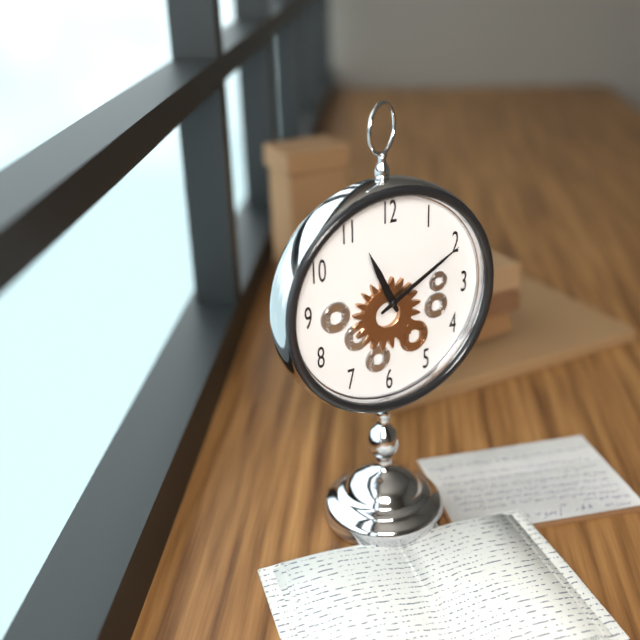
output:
11 h 10 min
